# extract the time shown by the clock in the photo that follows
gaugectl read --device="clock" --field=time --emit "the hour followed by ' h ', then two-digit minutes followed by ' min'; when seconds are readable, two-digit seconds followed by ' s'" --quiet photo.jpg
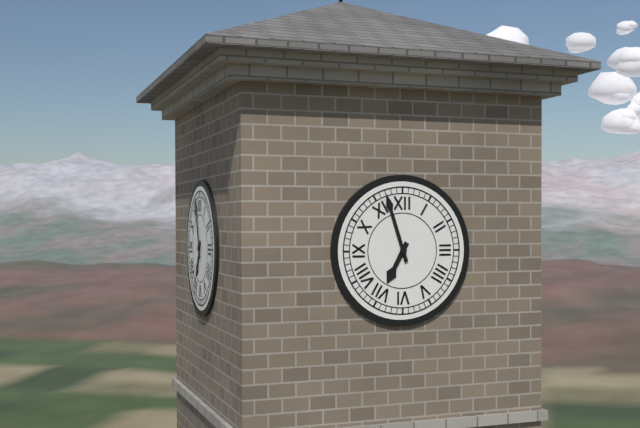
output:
6 h 57 min
